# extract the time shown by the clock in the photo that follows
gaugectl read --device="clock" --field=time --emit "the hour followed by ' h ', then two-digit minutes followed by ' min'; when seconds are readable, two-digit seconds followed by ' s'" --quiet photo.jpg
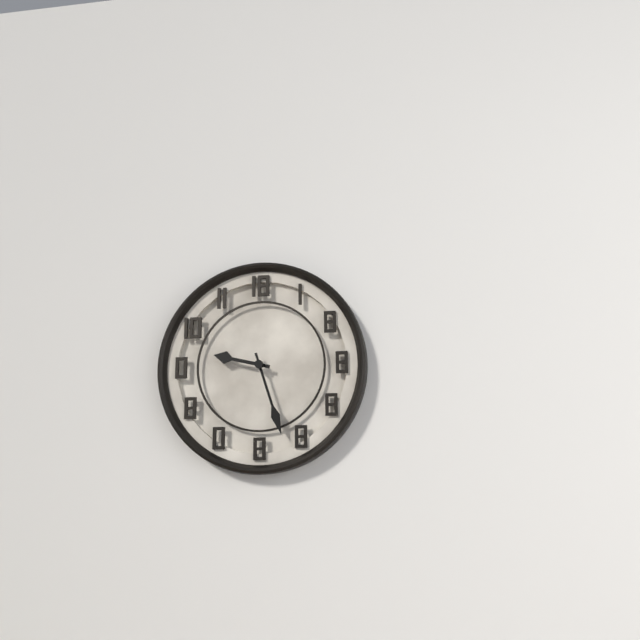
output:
9 h 27 min
